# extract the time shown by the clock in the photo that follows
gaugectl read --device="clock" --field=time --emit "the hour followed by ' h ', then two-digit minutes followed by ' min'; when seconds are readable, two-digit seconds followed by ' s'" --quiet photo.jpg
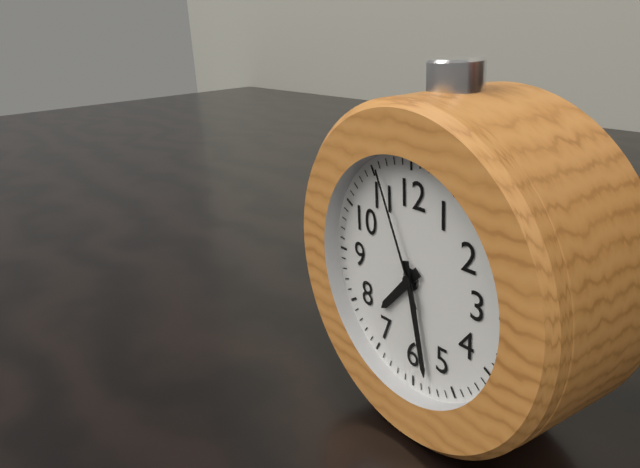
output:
7 h 28 min 56 s
